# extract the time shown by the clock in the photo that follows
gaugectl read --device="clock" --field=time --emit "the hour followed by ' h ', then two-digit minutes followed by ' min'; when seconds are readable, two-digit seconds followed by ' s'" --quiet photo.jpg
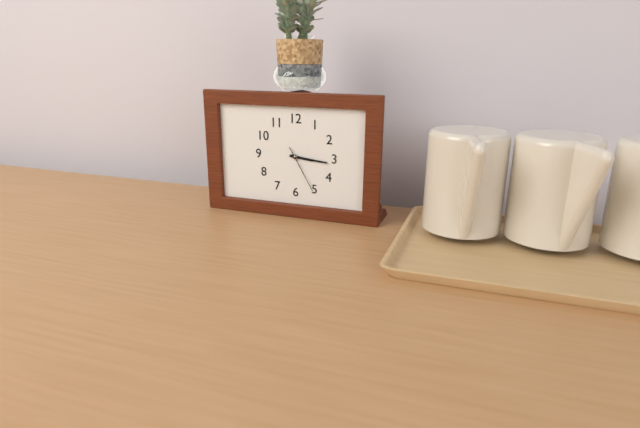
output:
3 h 16 min
